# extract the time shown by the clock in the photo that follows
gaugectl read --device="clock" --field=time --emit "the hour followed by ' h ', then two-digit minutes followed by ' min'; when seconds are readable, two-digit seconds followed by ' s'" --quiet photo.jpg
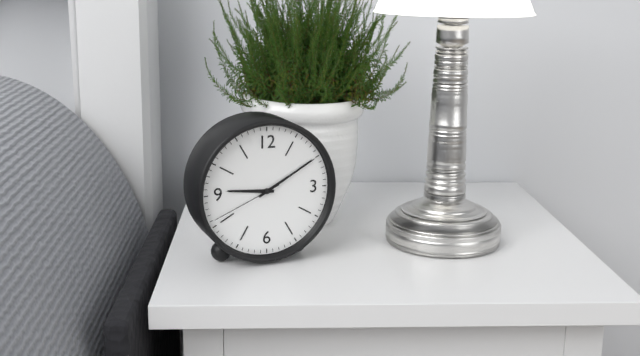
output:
9 h 10 min 41 s
